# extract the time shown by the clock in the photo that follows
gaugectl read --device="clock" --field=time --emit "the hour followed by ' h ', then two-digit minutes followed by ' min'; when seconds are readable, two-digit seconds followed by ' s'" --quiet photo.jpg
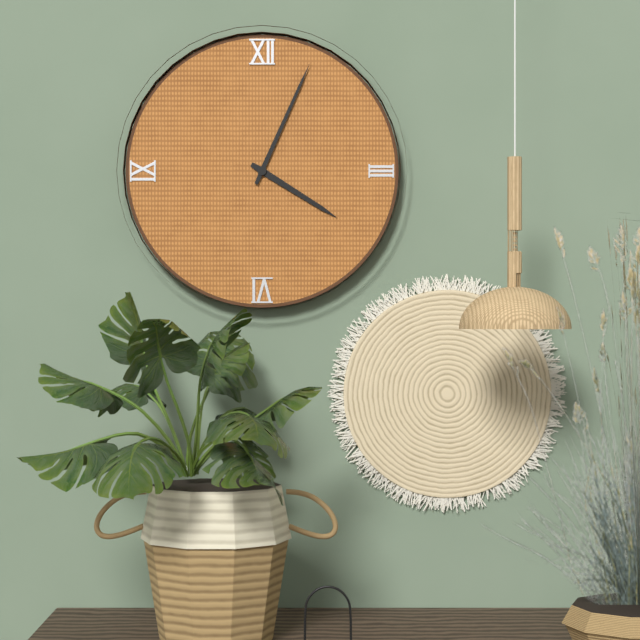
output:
4 h 04 min
